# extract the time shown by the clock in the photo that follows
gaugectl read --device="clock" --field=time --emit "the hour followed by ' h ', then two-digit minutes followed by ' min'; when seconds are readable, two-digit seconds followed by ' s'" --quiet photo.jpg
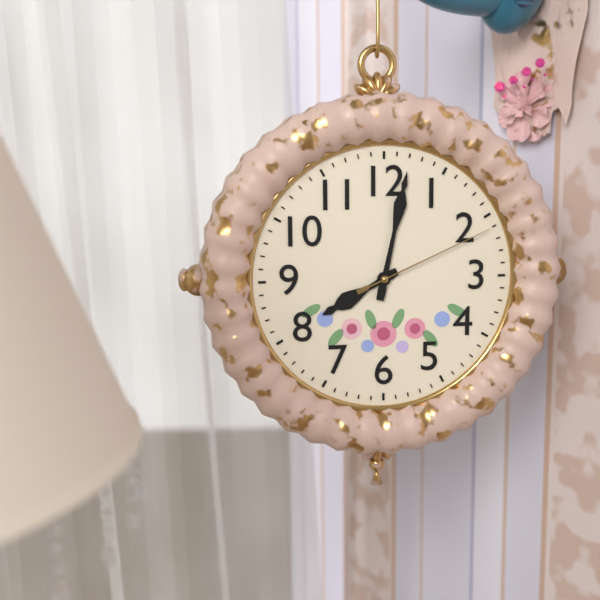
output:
8 h 02 min 11 s
